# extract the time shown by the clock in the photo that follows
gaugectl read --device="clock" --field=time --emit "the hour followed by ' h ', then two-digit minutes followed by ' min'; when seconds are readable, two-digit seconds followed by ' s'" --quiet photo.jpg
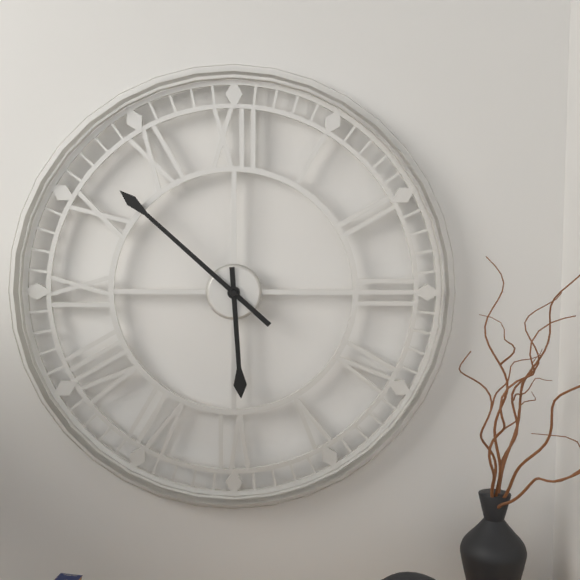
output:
5 h 52 min
